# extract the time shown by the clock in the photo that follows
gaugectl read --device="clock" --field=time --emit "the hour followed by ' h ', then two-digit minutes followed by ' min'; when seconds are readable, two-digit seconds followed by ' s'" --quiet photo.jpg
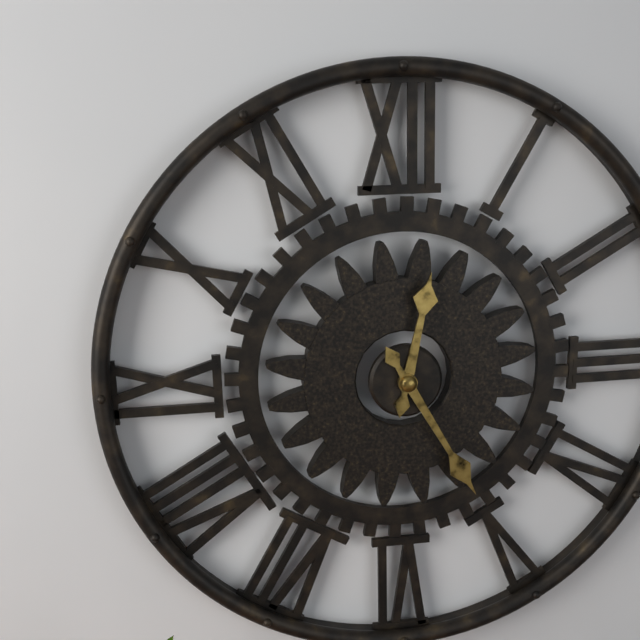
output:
12 h 25 min
